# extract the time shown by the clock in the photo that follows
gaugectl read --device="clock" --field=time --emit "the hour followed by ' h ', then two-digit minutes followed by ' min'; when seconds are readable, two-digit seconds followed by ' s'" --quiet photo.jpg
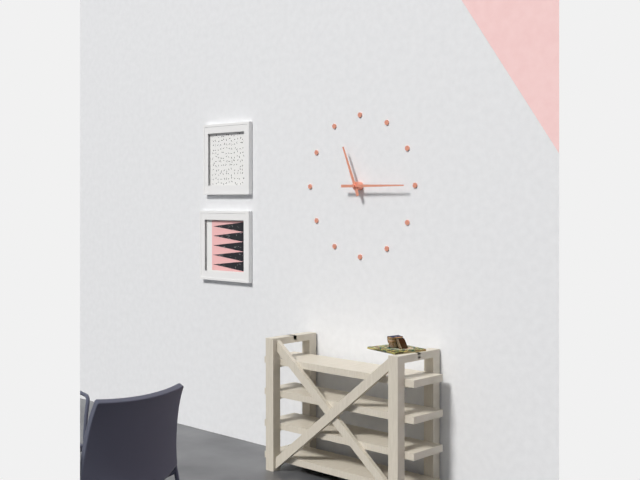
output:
11 h 15 min
